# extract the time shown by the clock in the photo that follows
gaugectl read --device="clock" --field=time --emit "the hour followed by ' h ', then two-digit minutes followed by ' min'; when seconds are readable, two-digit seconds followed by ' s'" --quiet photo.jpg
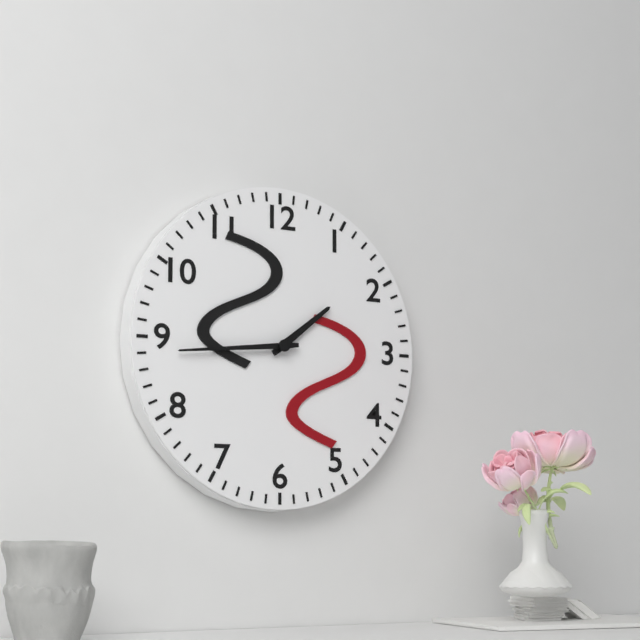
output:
1 h 44 min
